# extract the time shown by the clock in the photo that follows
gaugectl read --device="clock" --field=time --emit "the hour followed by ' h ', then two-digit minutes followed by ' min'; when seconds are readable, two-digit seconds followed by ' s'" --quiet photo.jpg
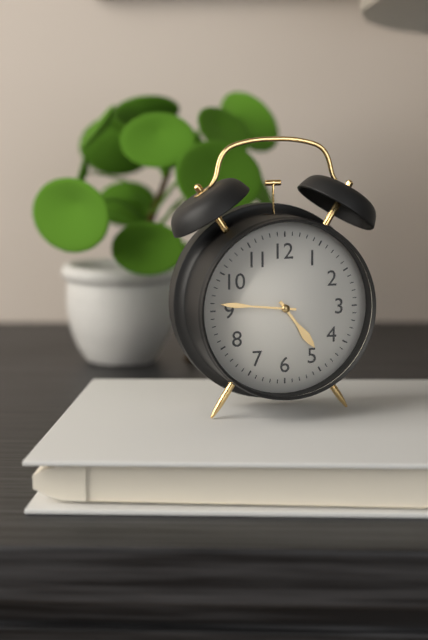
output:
4 h 46 min
